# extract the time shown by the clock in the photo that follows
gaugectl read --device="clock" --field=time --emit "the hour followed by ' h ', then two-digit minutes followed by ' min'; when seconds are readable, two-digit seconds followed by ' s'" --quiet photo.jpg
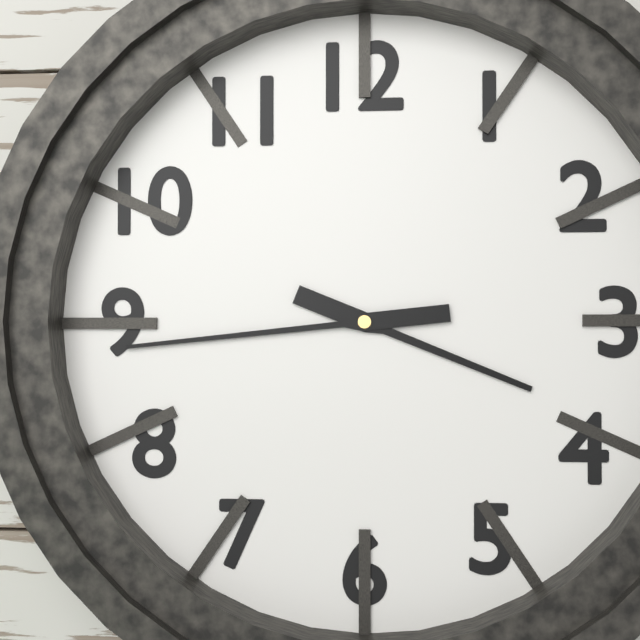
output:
3 h 44 min
